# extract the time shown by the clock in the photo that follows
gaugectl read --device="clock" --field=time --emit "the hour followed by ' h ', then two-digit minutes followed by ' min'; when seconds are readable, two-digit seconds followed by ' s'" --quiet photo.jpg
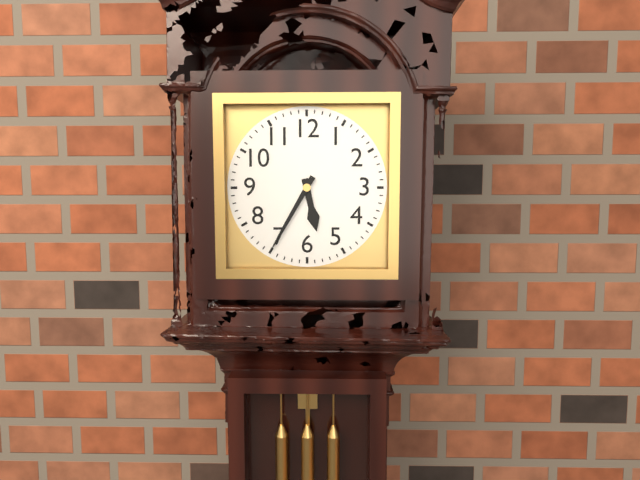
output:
5 h 35 min
